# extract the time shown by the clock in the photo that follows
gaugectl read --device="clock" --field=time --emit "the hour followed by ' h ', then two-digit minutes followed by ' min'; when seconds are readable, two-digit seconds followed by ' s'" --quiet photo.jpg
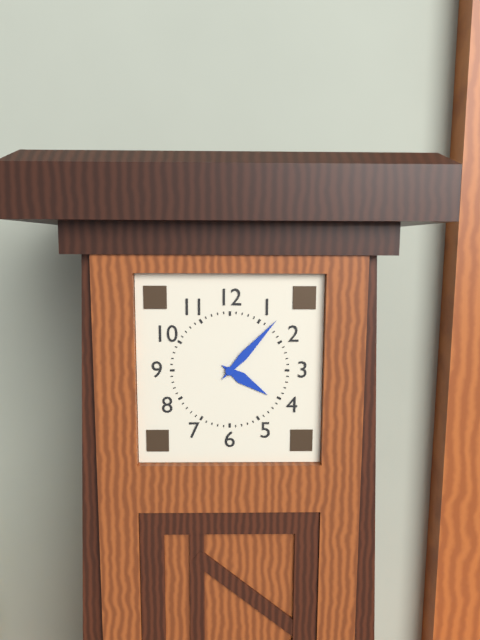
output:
4 h 07 min
